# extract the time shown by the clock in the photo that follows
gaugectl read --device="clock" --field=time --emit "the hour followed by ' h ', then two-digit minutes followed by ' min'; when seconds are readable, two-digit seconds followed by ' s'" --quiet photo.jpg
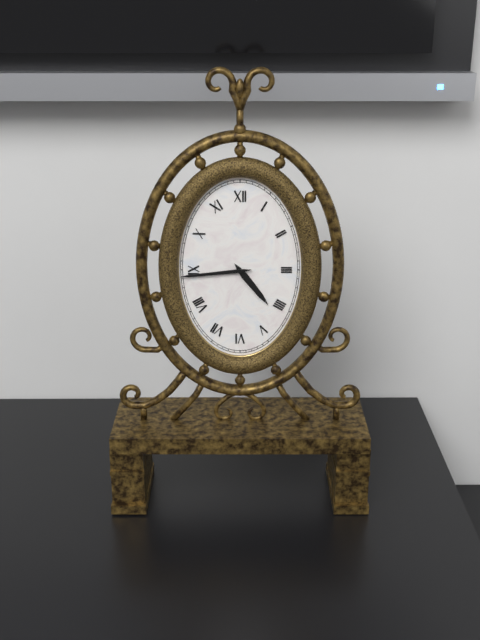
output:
4 h 44 min
